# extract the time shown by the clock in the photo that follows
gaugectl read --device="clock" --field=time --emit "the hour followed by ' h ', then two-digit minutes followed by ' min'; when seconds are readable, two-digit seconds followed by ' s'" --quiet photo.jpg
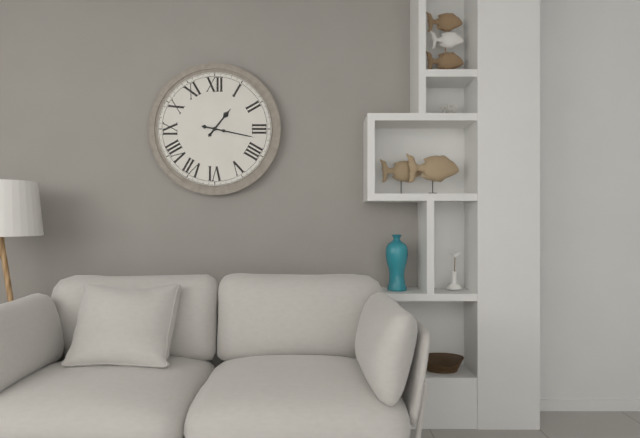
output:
1 h 17 min
